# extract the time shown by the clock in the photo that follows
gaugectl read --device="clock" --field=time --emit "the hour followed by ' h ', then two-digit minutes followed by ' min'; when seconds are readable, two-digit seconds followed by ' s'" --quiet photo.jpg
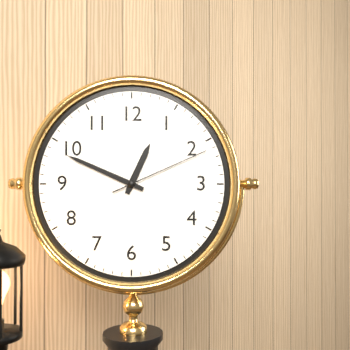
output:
12 h 49 min 11 s
